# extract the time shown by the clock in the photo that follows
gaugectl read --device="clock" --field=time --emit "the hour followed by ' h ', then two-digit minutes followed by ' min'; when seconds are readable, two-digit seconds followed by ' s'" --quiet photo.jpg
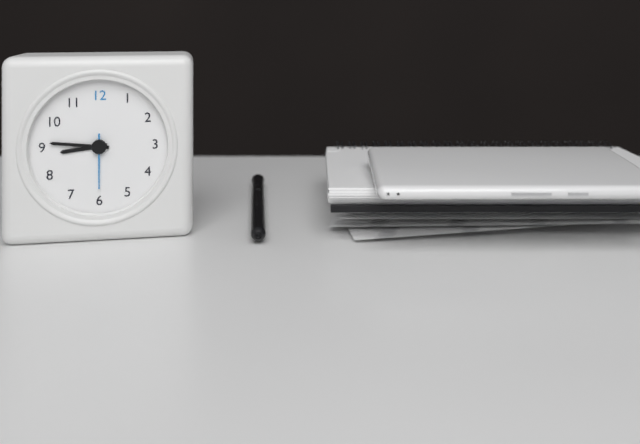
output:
8 h 46 min 30 s
